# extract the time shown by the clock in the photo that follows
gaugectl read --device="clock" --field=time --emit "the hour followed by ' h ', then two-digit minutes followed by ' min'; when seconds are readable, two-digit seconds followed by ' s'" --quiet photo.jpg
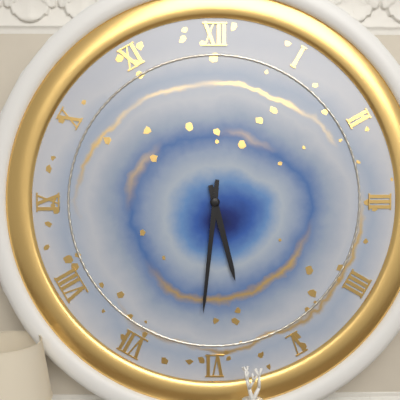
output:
5 h 31 min
